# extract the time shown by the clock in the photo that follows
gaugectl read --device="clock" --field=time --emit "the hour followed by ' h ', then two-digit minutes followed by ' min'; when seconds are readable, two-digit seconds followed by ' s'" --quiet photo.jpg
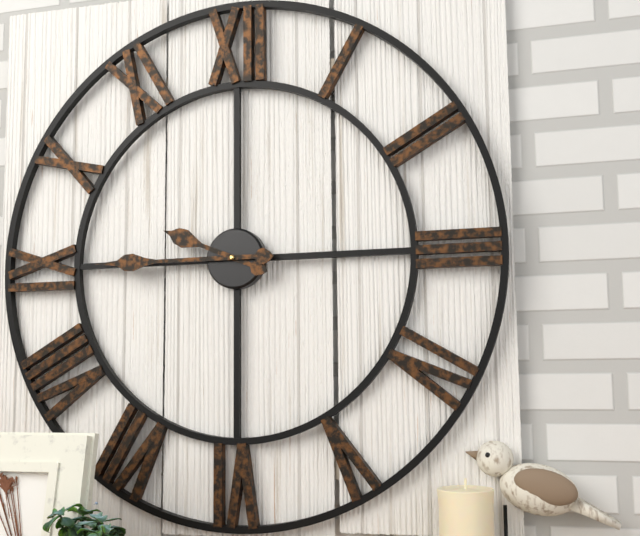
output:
9 h 45 min
